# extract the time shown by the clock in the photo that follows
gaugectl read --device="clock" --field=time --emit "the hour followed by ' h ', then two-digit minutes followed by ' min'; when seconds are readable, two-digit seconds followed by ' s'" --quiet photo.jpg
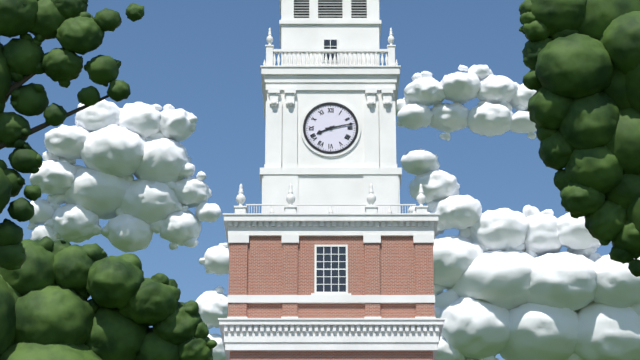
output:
8 h 13 min
